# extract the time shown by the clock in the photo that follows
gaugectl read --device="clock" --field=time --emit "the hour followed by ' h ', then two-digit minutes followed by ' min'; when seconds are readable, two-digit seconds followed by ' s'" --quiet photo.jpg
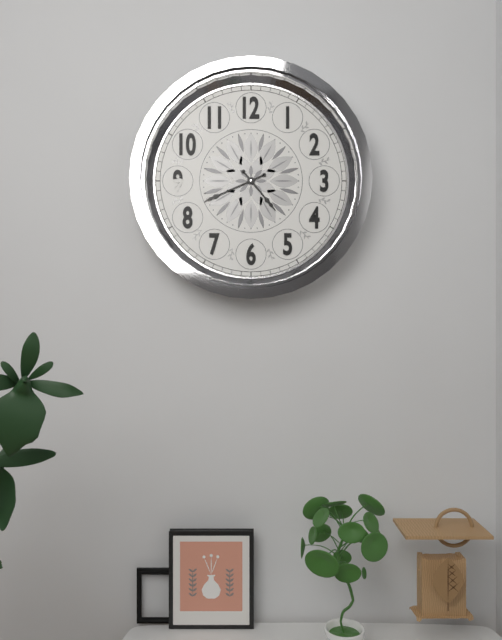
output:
4 h 41 min
